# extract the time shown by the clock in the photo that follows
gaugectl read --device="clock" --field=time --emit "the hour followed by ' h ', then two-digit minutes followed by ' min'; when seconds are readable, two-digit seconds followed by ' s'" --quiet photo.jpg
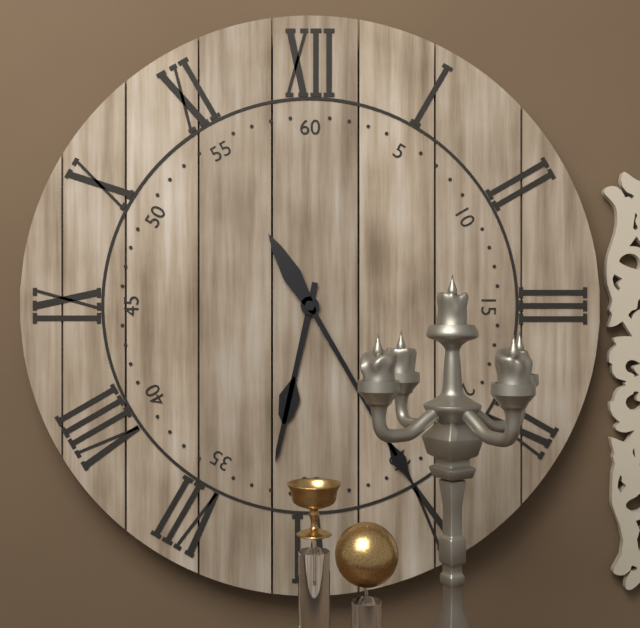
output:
6 h 25 min
